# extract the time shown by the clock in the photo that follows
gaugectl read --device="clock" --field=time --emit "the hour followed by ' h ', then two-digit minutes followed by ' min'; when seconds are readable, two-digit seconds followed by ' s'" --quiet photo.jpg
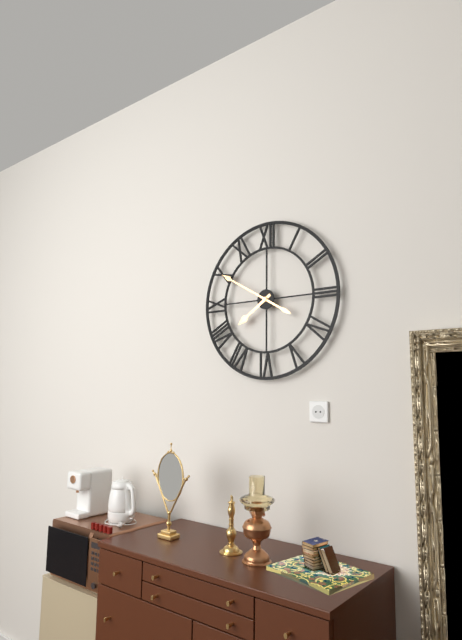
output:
7 h 50 min
